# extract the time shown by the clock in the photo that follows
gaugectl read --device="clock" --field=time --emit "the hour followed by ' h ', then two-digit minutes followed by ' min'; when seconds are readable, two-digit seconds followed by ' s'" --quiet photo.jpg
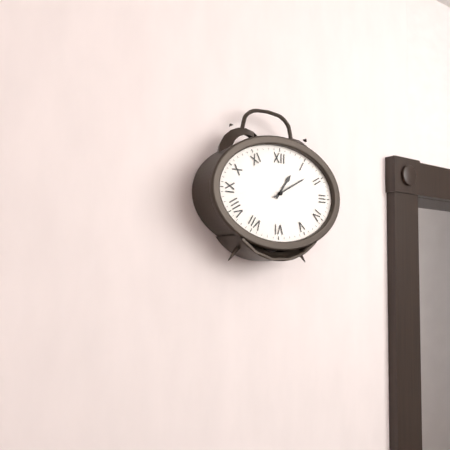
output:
1 h 10 min
